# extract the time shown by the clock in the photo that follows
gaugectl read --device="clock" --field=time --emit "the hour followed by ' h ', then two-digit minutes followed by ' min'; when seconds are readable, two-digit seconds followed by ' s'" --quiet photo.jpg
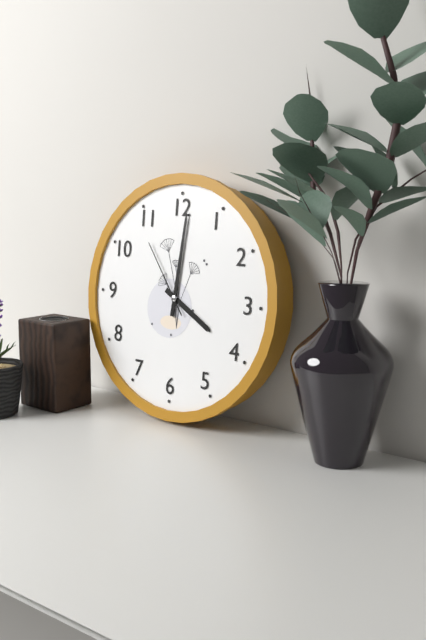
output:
4 h 01 min 54 s
